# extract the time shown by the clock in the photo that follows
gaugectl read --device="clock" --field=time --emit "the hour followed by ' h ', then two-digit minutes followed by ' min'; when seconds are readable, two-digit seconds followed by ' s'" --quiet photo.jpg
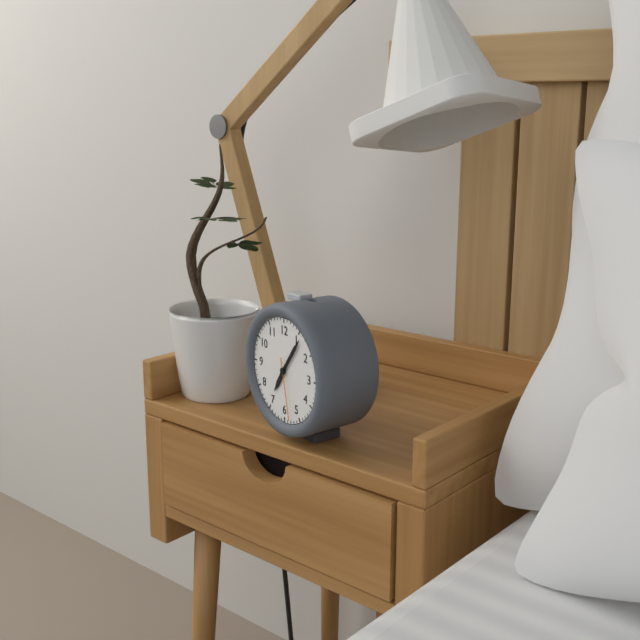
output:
7 h 06 min 28 s
